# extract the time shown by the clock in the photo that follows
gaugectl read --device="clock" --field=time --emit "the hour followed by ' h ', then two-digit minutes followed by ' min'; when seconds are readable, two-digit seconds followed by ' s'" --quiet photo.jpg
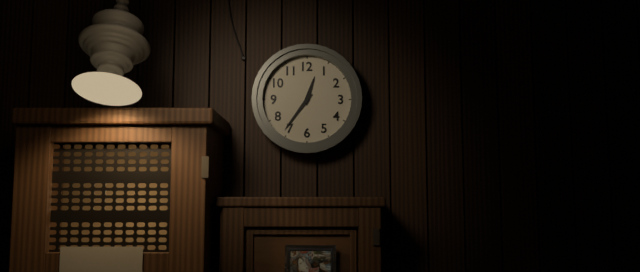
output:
12 h 36 min
